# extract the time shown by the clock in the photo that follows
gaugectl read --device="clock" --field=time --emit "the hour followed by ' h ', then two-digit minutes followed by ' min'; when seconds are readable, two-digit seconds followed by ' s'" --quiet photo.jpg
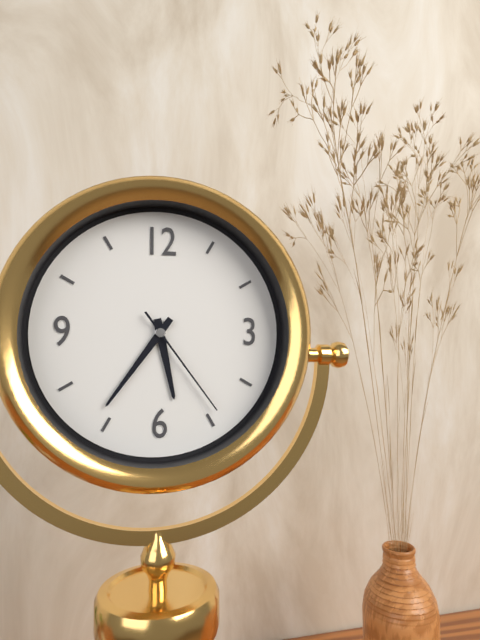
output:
5 h 36 min 24 s
